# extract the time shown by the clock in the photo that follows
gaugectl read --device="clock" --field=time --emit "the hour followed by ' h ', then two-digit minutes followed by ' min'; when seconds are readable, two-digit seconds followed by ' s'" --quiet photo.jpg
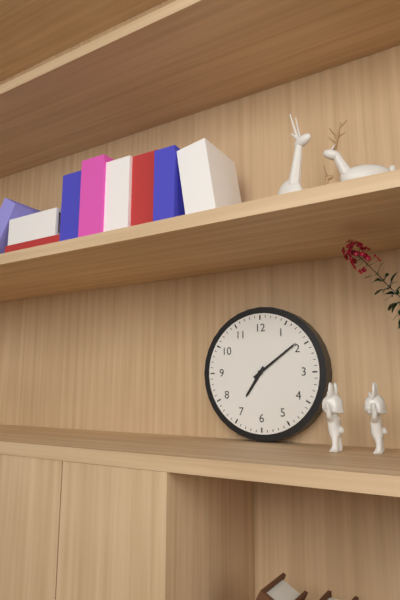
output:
7 h 09 min
